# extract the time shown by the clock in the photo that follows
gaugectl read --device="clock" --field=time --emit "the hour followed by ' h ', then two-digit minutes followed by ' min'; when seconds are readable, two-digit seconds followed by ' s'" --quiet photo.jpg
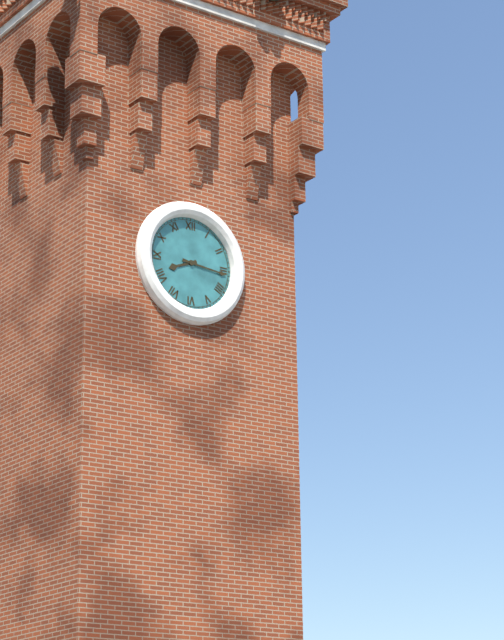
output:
8 h 16 min
